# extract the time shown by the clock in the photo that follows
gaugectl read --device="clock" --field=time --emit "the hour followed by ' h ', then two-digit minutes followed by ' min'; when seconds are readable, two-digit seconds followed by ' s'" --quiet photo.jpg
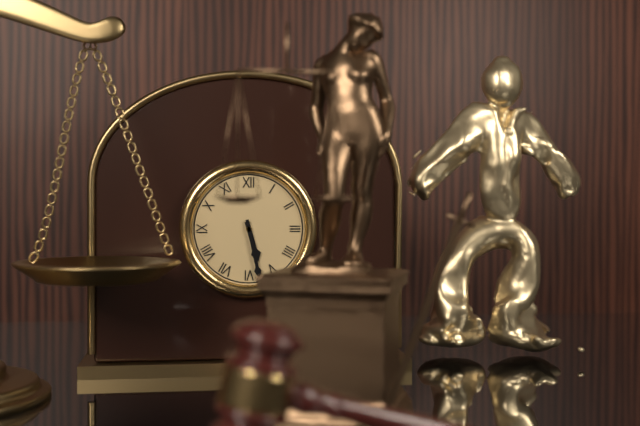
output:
5 h 28 min
